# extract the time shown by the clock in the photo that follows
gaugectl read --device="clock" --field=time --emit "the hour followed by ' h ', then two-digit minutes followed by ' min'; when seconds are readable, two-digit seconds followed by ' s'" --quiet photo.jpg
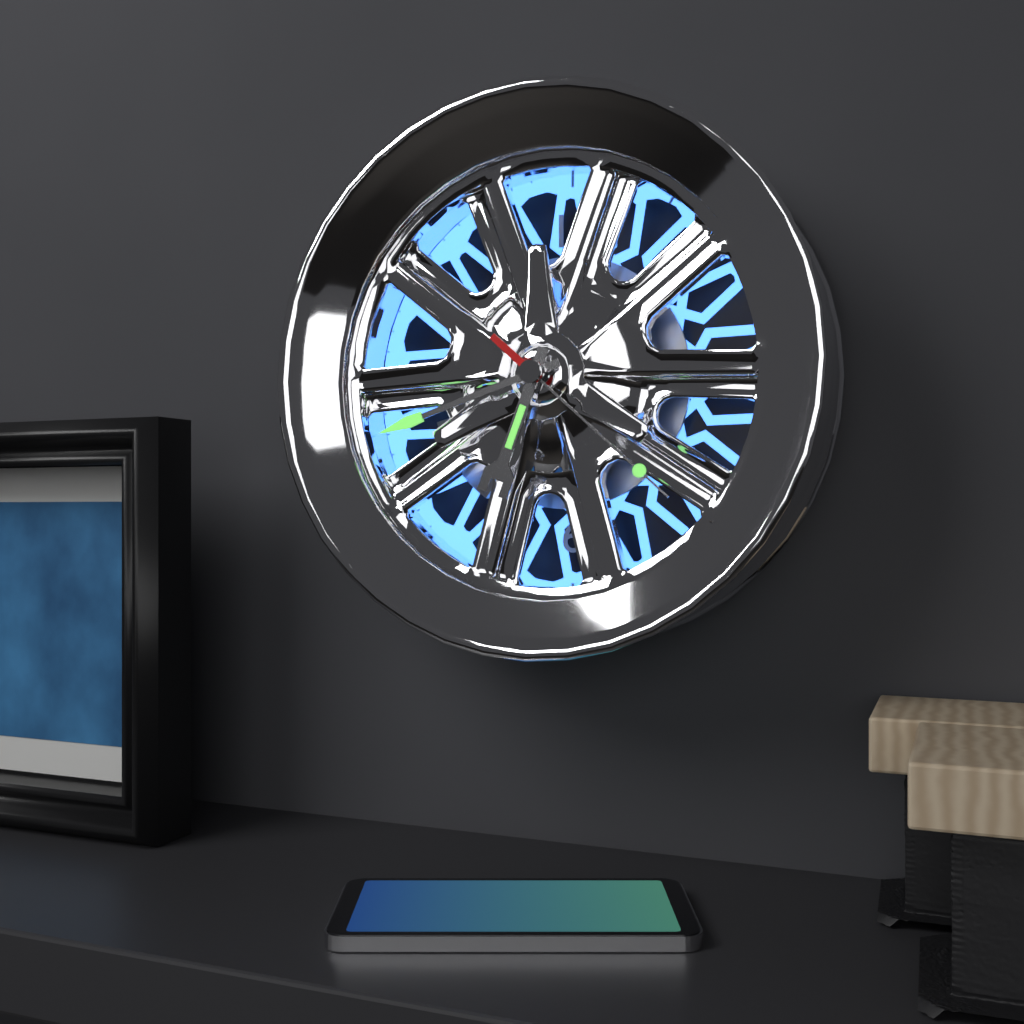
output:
6 h 42 min 22 s
